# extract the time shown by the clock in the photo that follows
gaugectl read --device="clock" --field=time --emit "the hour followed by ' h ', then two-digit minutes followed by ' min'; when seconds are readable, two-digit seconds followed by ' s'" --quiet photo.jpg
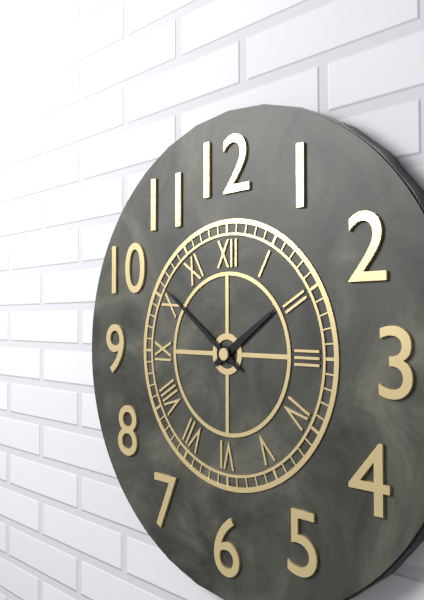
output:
1 h 51 min
